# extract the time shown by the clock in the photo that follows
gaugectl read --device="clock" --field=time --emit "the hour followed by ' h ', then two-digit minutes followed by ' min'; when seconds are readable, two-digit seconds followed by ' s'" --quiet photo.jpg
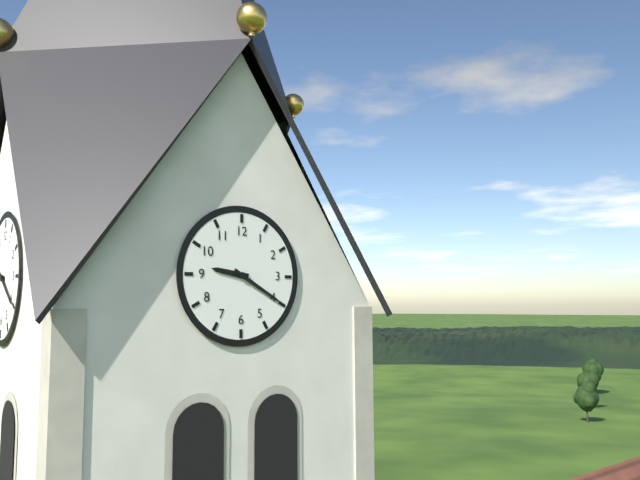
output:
9 h 20 min
